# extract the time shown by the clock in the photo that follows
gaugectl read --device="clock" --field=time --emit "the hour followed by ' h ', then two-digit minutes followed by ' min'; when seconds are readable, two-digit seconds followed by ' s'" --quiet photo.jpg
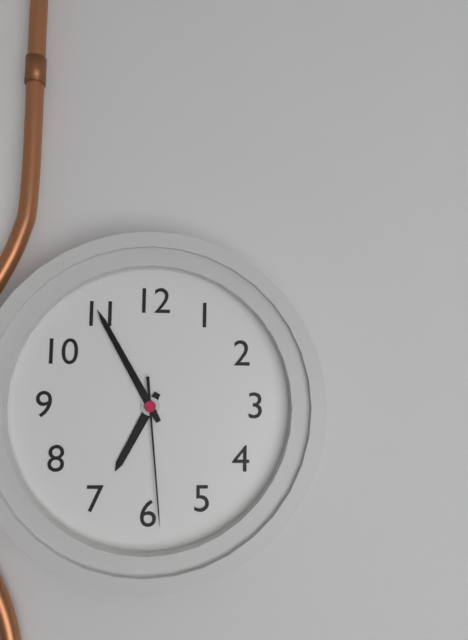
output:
6 h 55 min 29 s
